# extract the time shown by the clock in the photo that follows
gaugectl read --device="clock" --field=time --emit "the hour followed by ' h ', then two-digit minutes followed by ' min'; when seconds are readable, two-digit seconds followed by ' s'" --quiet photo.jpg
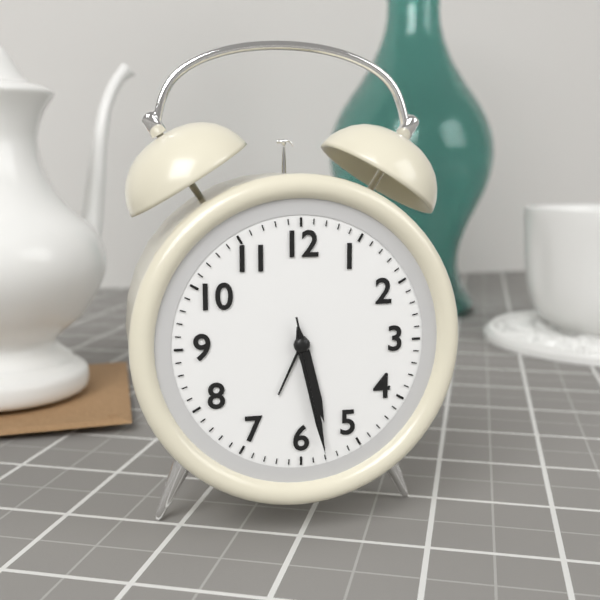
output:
5 h 28 min 28 s
